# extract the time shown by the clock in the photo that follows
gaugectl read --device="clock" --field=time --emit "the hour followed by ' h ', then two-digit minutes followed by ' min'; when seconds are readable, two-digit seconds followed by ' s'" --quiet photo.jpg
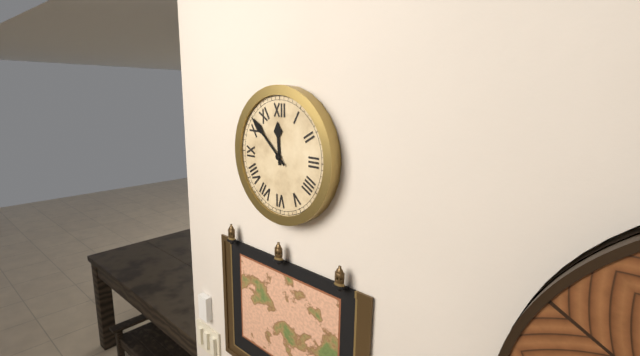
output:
11 h 52 min
